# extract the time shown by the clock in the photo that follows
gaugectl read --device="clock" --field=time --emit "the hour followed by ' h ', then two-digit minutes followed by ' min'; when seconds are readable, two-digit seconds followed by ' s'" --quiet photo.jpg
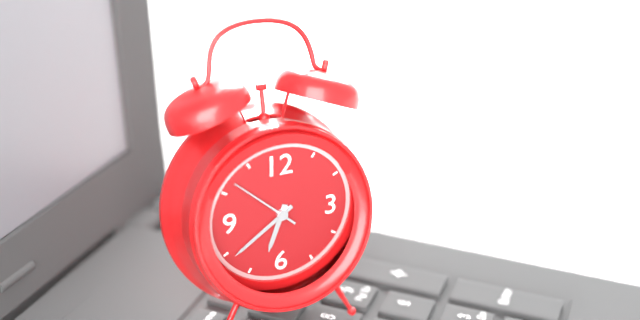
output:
6 h 39 min 52 s
